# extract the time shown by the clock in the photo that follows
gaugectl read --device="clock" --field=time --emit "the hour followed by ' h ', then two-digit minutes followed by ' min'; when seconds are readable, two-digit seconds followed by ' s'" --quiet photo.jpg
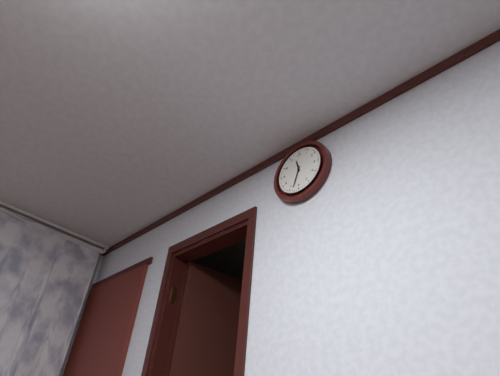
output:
11 h 33 min
